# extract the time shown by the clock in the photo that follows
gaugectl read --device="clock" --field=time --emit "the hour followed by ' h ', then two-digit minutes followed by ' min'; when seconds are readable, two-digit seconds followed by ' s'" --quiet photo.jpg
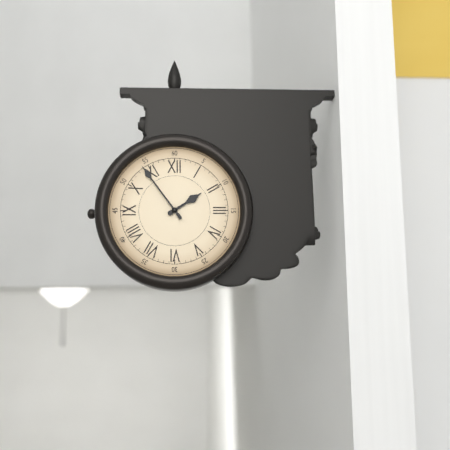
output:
1 h 54 min
